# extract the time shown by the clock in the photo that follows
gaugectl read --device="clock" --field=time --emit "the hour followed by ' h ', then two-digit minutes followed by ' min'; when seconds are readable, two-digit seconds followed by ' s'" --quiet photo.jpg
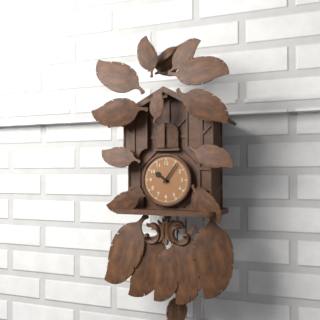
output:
10 h 06 min
